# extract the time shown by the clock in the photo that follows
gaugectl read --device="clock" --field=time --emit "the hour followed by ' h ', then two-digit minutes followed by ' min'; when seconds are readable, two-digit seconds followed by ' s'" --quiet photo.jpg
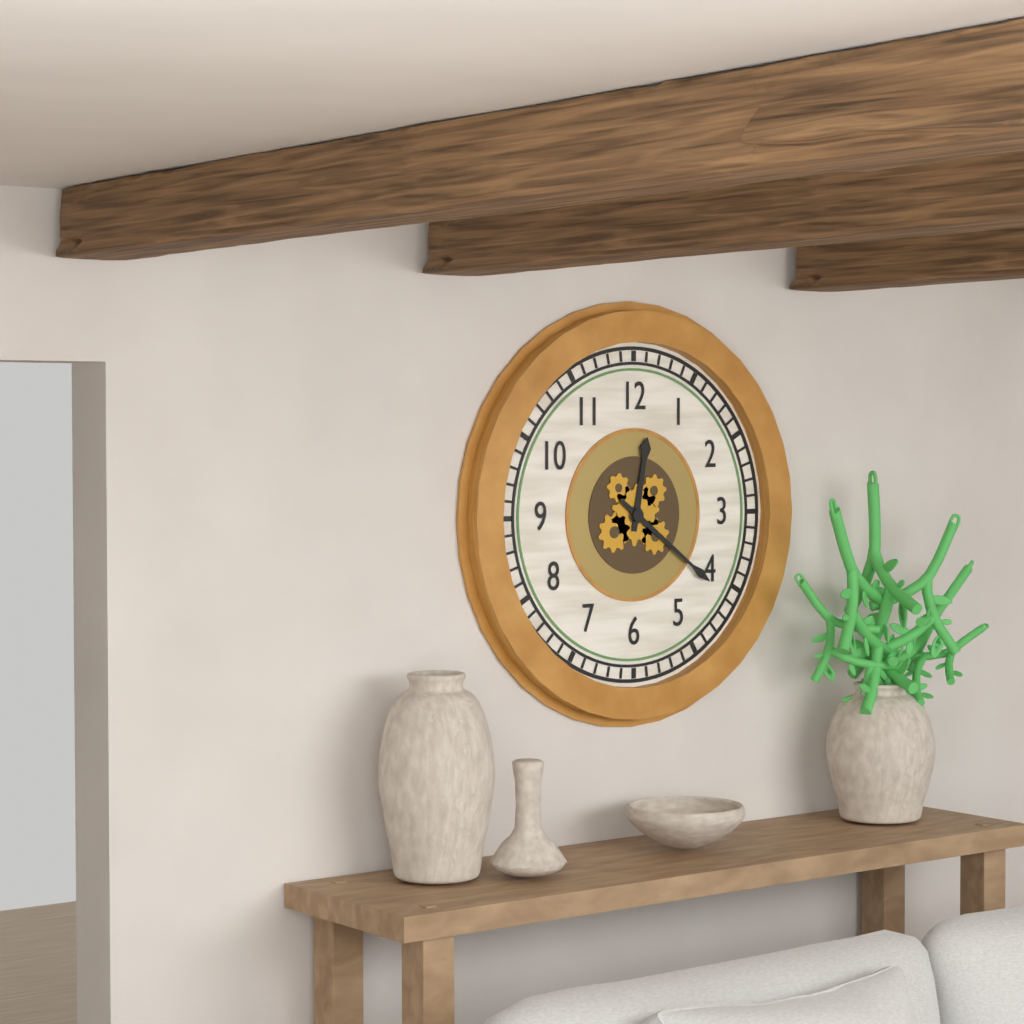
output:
12 h 21 min
